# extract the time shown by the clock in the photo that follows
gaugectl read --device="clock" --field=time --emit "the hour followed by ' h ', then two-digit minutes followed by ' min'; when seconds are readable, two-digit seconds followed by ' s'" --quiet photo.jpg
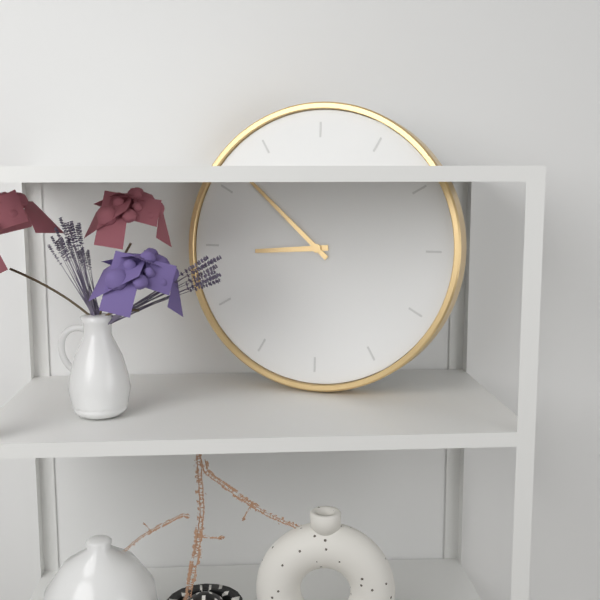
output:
8 h 52 min
